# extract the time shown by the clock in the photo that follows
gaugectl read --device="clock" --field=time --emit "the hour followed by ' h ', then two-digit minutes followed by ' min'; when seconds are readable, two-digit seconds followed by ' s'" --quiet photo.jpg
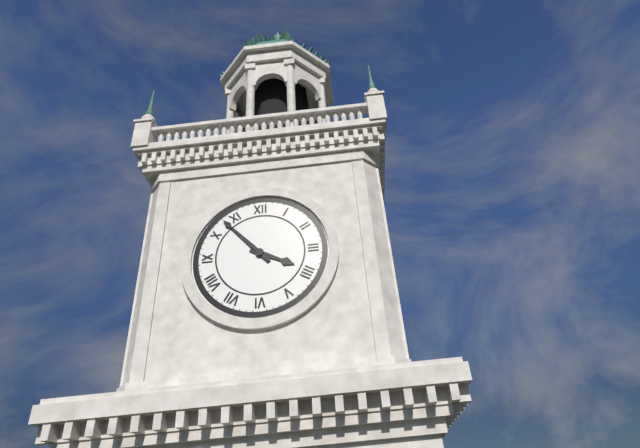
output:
3 h 53 min
